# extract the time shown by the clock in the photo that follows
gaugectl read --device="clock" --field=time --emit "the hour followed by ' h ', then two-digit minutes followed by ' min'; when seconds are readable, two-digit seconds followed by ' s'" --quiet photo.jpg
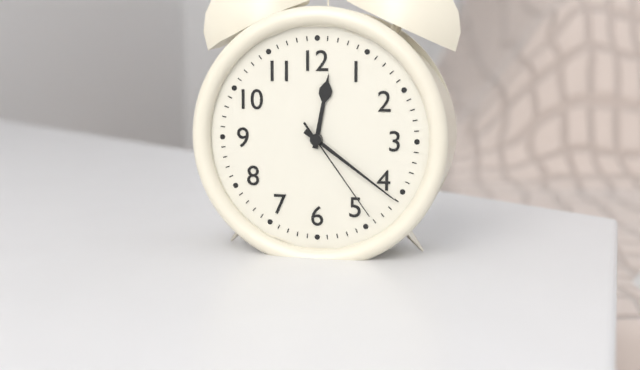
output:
12 h 21 min 24 s
